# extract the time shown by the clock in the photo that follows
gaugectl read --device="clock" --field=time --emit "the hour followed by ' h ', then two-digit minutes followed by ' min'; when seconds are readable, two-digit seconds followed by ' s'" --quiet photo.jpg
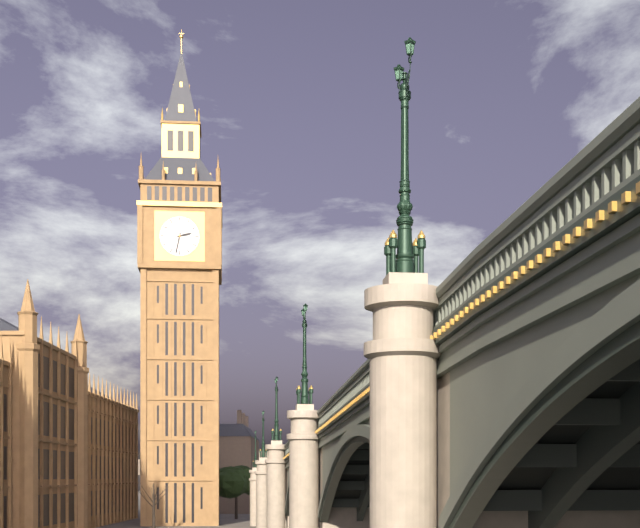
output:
2 h 32 min
